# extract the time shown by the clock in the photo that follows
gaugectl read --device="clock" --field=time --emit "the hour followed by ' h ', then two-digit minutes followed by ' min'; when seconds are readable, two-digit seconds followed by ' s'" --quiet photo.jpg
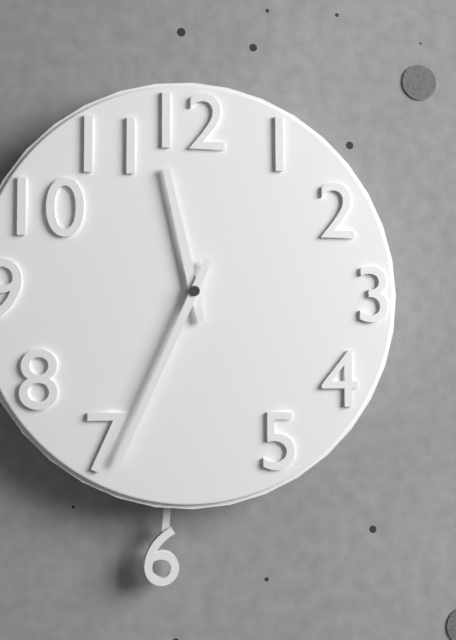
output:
11 h 34 min
